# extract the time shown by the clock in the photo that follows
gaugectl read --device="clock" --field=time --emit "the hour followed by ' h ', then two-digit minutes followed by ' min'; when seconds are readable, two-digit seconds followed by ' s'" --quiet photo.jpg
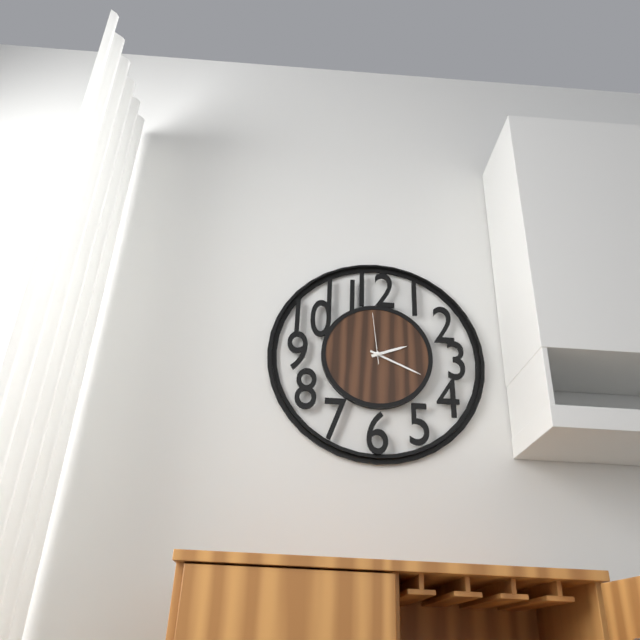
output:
2 h 19 min 59 s
